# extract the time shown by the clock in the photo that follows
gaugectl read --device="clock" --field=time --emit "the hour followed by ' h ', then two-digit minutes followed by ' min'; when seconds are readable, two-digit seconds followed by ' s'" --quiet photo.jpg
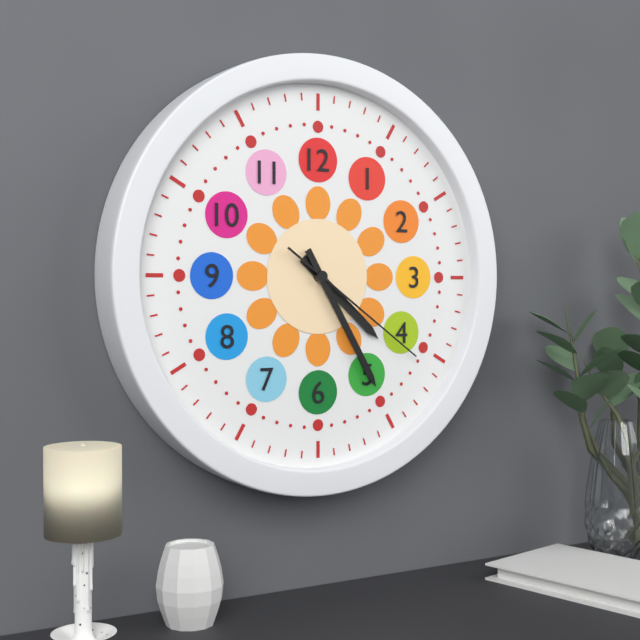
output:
4 h 25 min 21 s
